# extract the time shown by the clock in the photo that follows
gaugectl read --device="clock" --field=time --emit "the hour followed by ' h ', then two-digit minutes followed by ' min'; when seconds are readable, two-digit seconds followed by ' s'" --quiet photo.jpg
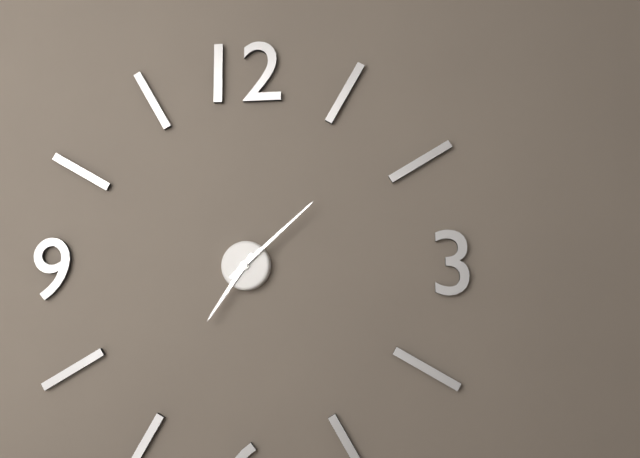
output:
7 h 08 min
